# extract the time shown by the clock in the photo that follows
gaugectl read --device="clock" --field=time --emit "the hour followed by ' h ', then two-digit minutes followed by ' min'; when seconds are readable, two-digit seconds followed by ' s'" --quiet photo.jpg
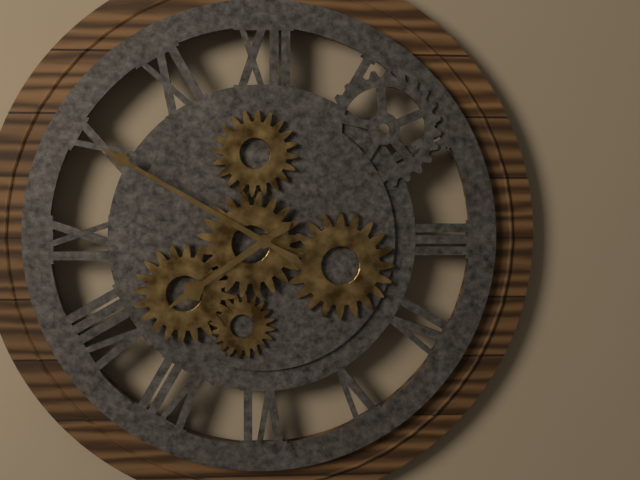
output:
7 h 50 min
